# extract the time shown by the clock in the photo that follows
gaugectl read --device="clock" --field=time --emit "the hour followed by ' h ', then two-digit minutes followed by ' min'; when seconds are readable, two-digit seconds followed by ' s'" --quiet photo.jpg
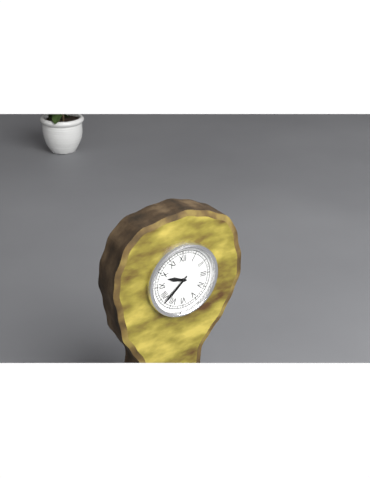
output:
9 h 38 min
